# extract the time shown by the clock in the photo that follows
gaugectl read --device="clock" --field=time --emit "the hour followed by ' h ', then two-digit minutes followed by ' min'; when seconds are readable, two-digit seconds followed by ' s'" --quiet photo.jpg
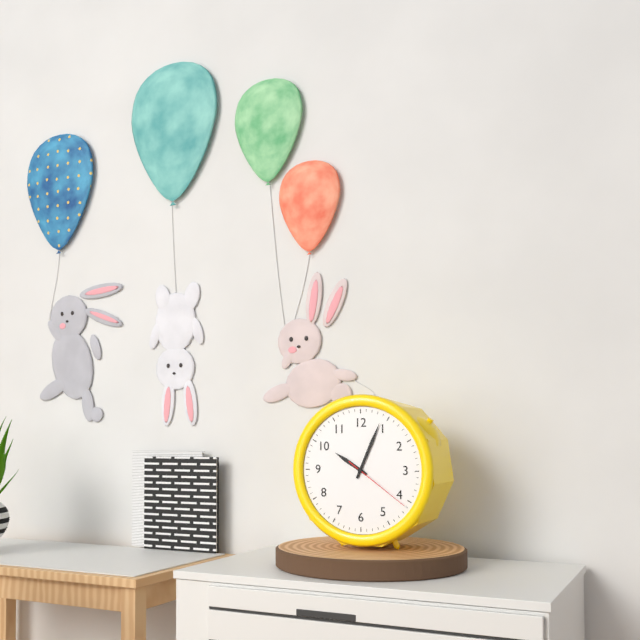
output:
10 h 04 min 21 s
